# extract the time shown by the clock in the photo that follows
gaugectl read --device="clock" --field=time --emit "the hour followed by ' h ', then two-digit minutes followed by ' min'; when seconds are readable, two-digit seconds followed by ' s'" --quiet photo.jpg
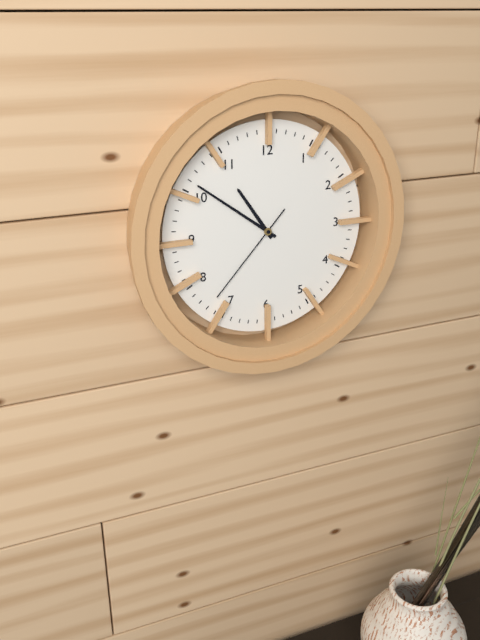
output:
10 h 51 min 37 s
